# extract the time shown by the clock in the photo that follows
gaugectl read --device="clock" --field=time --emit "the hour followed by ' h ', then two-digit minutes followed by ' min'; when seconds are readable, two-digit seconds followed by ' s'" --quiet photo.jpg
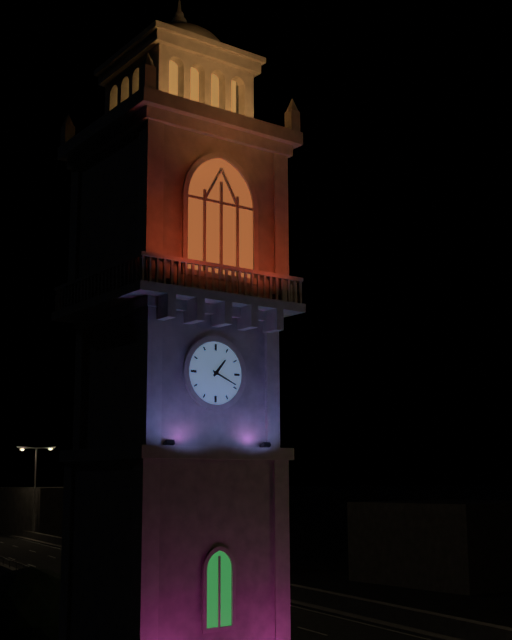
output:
1 h 19 min
